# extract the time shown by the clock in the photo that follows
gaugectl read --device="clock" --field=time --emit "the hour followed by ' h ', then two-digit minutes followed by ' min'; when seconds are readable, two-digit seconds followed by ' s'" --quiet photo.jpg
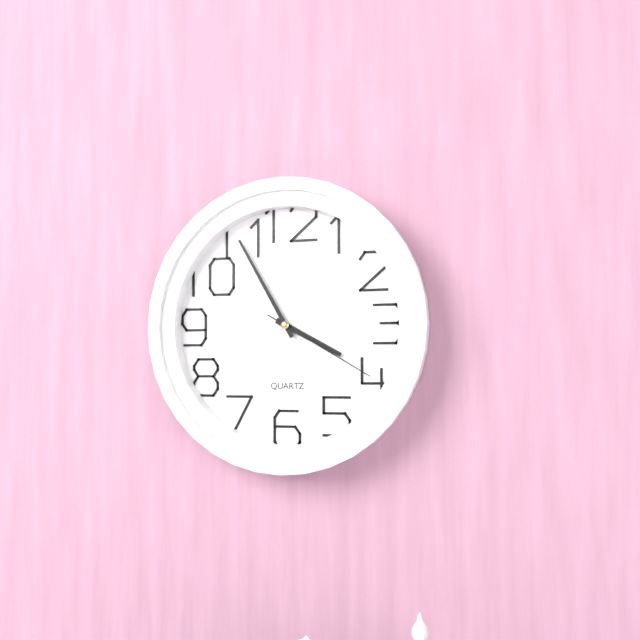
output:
3 h 55 min 20 s
